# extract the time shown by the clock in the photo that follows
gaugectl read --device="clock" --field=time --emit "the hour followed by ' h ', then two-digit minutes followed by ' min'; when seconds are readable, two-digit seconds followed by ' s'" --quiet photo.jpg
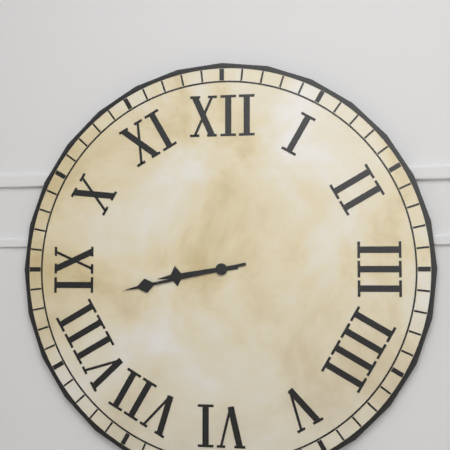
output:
8 h 43 min
